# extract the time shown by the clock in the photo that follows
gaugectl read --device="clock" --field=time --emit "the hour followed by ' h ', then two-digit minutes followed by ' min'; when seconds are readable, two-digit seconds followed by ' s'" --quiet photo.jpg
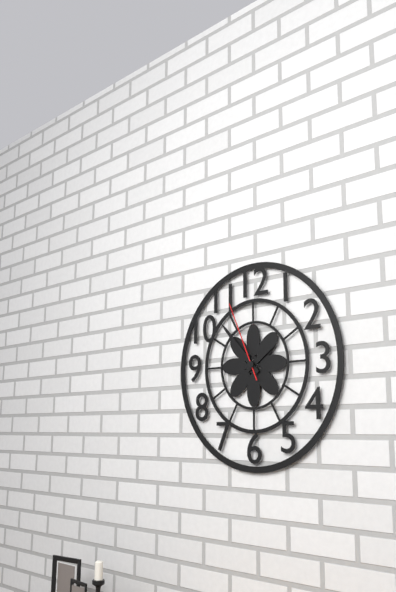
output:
1 h 53 min 56 s
